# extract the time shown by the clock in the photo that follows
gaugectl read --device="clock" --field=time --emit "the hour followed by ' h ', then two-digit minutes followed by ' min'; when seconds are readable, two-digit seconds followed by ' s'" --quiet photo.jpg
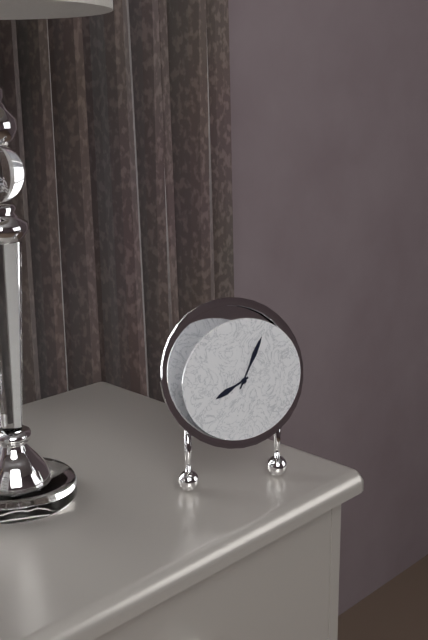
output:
8 h 04 min
